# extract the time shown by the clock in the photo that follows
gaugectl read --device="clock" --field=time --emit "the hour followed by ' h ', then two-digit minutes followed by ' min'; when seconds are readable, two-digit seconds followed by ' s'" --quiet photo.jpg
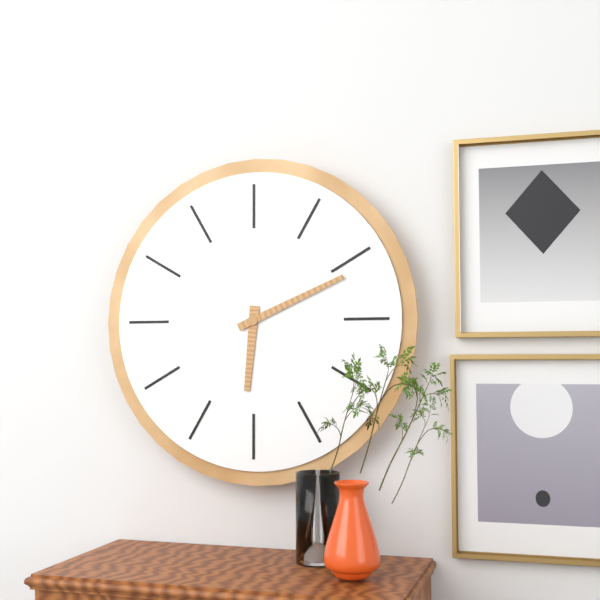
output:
6 h 11 min
